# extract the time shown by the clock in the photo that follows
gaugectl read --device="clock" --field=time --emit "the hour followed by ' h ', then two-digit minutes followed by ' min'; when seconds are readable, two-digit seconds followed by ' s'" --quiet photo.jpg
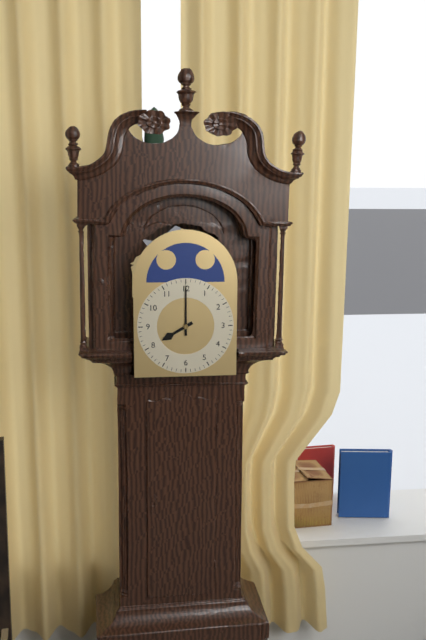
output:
8 h 00 min
